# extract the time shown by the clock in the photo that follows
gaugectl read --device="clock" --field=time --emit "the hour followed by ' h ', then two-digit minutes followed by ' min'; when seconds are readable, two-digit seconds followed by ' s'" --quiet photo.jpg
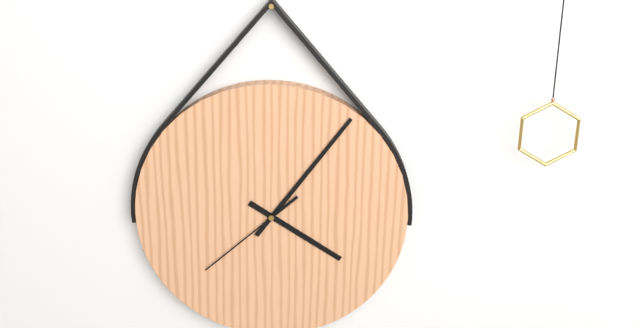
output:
4 h 06 min 38 s
